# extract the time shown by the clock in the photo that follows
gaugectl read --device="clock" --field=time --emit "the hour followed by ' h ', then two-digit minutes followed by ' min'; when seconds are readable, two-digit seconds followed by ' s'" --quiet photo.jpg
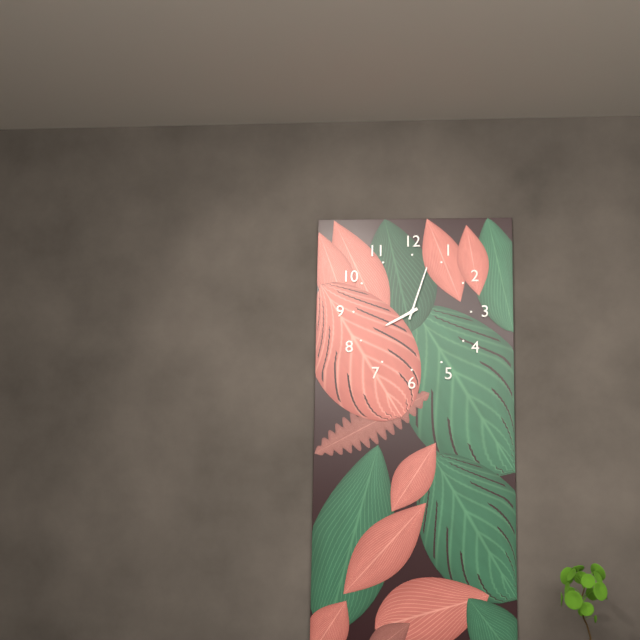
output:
8 h 03 min
